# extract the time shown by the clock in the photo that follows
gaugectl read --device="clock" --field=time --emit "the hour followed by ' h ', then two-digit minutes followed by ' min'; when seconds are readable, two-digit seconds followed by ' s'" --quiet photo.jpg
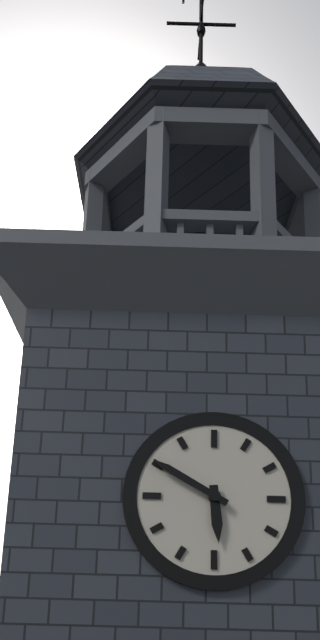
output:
5 h 50 min
